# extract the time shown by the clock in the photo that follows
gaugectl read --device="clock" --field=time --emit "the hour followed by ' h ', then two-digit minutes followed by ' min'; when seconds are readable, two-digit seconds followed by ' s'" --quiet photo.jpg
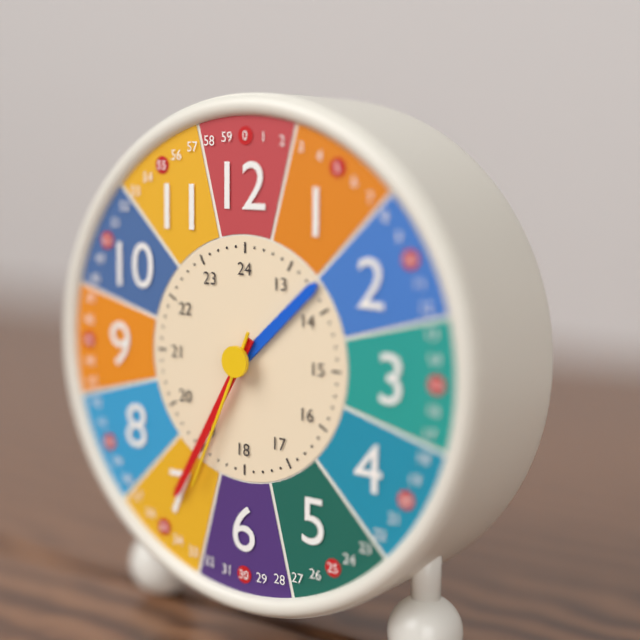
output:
1 h 35 min 34 s
